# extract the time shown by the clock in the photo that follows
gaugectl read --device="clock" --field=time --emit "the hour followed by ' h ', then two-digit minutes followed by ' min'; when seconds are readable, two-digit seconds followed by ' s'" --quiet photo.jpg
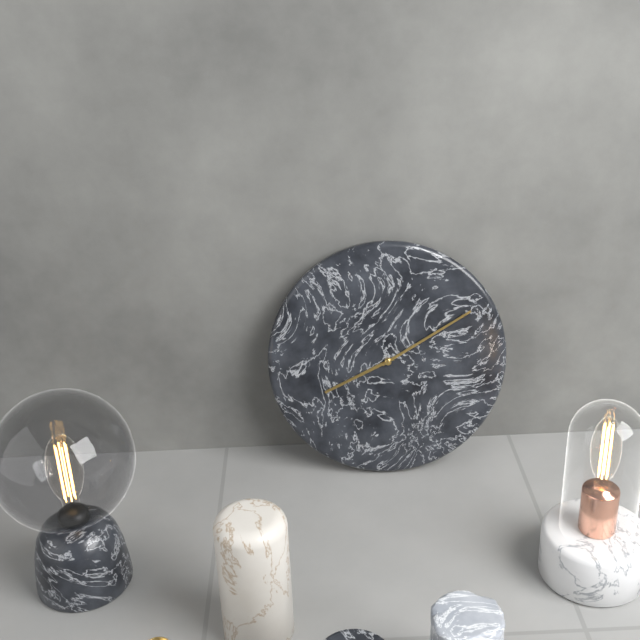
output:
8 h 10 min
